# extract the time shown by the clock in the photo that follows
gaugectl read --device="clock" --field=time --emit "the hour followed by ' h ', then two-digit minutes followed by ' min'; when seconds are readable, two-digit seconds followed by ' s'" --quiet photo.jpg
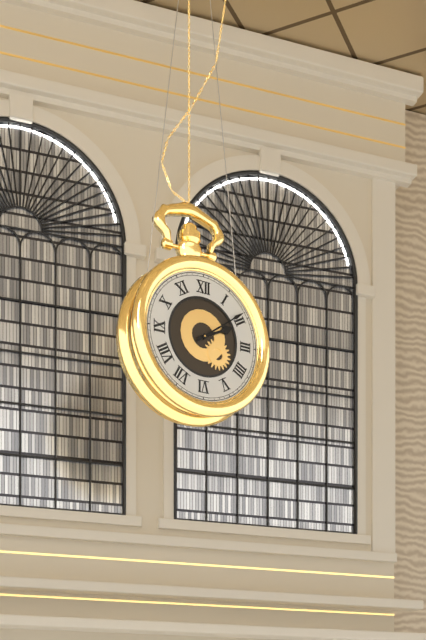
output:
2 h 09 min
